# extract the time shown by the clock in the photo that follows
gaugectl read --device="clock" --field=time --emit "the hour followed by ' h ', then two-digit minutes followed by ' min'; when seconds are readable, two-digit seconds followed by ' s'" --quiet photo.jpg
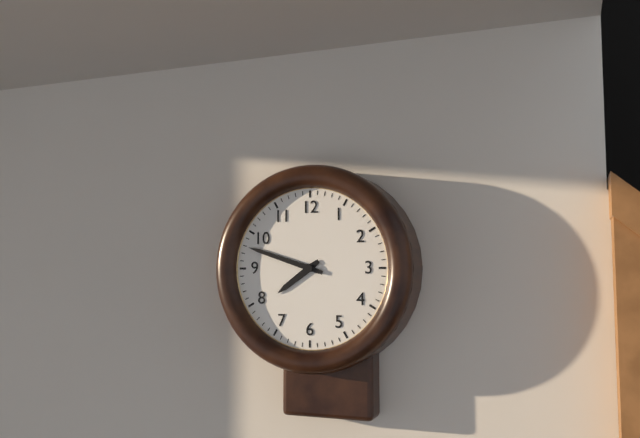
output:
7 h 48 min
